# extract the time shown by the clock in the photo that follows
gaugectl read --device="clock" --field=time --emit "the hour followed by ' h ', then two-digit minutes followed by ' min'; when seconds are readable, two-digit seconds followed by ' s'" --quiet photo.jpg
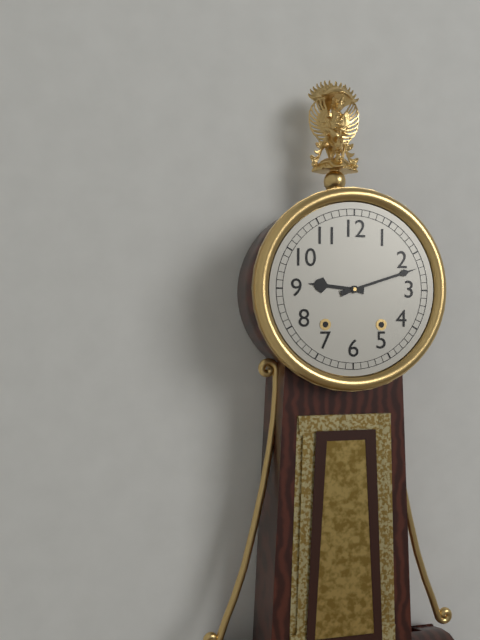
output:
9 h 12 min
